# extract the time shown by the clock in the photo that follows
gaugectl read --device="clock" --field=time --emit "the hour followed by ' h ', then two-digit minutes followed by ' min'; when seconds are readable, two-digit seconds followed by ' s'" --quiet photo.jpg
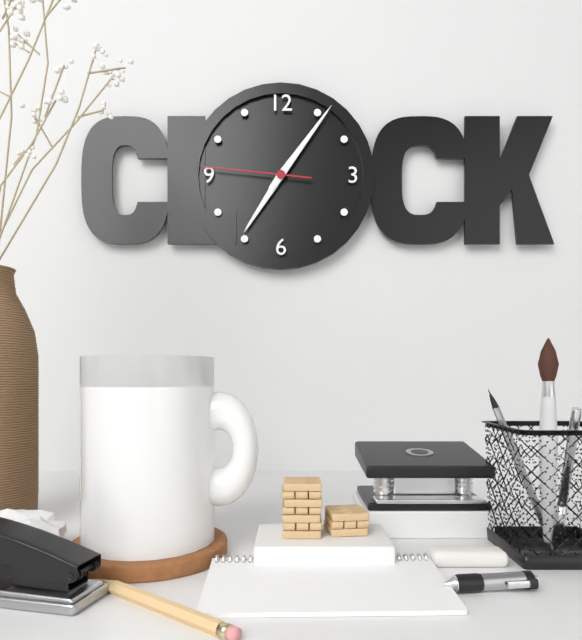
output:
7 h 06 min 46 s
